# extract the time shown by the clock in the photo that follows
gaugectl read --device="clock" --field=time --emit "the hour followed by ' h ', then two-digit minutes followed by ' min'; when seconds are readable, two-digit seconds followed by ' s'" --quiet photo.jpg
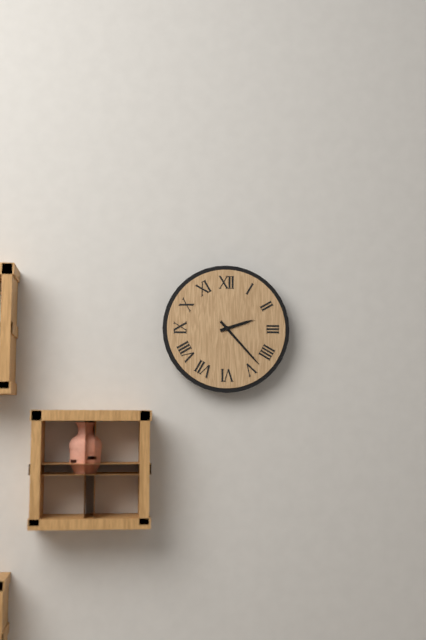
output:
2 h 23 min
